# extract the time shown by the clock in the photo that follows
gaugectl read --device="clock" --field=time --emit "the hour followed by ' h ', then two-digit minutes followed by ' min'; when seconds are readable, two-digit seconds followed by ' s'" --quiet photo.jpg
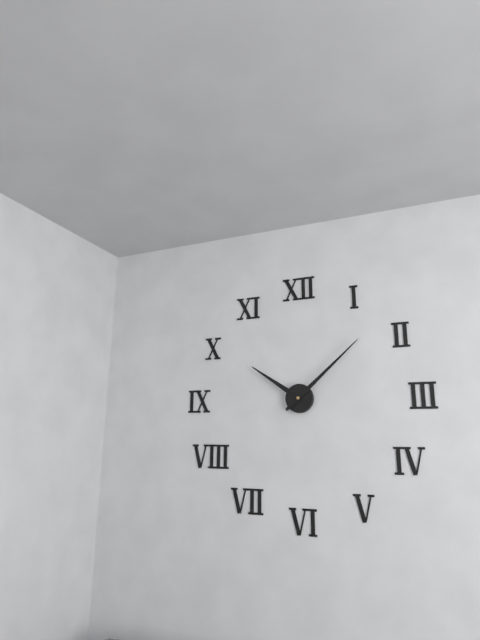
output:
10 h 08 min
